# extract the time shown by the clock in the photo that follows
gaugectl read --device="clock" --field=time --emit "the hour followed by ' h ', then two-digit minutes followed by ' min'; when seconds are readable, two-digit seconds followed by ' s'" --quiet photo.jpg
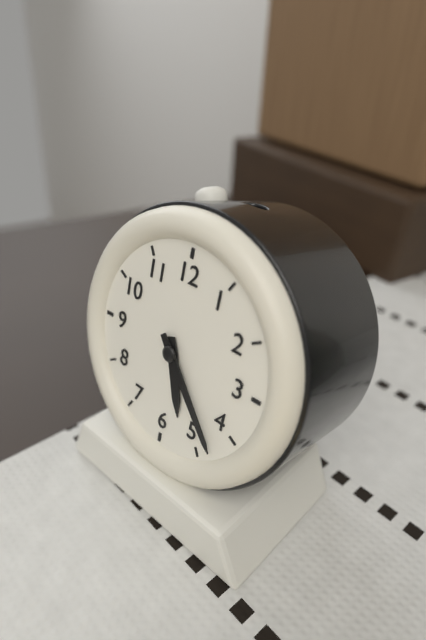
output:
5 h 23 min
